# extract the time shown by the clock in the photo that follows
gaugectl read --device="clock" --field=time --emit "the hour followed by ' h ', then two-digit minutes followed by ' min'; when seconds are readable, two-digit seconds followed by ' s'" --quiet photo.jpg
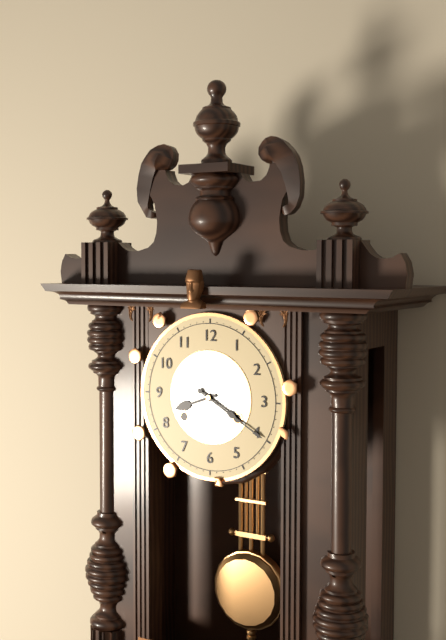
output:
8 h 20 min
